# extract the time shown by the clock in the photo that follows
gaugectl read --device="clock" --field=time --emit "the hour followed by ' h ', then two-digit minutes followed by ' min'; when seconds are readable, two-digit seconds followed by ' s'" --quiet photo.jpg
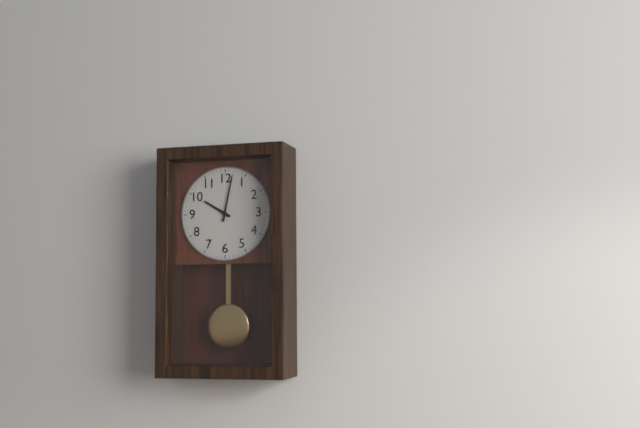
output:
10 h 02 min
